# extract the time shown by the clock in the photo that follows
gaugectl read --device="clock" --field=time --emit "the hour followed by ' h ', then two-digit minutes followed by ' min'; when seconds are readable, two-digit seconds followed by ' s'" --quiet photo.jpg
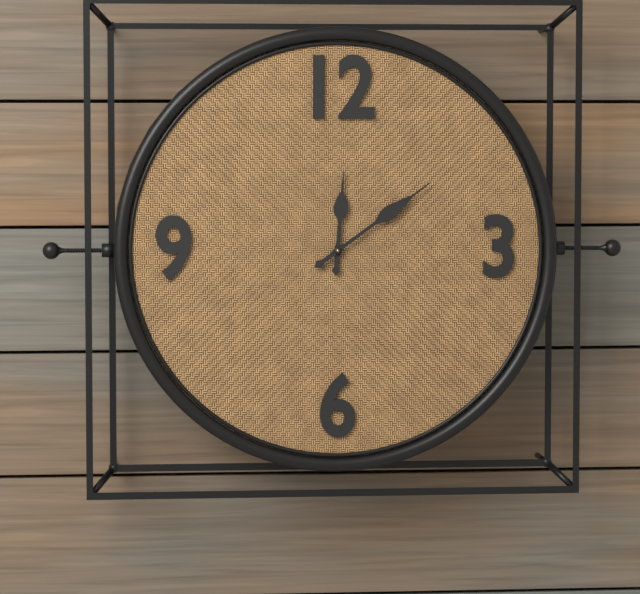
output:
12 h 09 min
